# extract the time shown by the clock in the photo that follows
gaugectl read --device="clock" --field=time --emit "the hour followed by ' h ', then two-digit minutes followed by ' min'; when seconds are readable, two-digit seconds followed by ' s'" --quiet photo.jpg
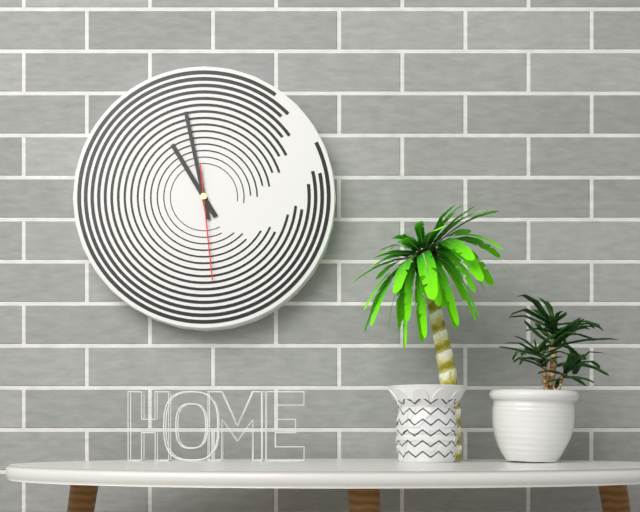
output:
10 h 58 min 29 s
